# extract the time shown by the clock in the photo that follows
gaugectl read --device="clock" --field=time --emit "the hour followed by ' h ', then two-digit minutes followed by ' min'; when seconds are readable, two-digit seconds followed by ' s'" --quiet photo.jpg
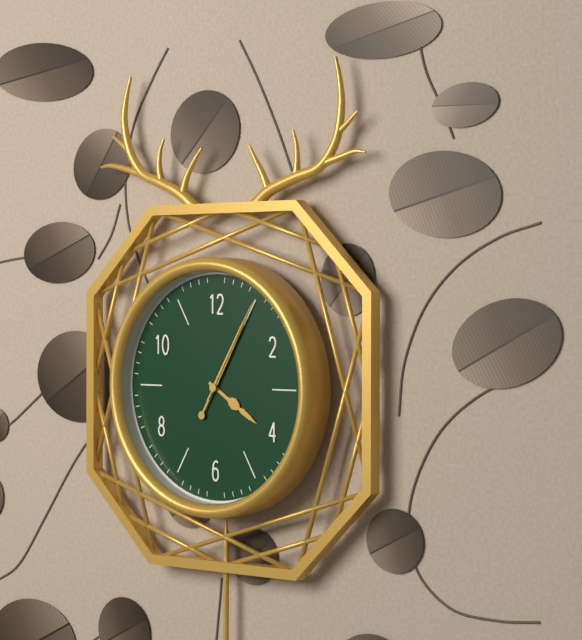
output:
4 h 05 min 05 s
